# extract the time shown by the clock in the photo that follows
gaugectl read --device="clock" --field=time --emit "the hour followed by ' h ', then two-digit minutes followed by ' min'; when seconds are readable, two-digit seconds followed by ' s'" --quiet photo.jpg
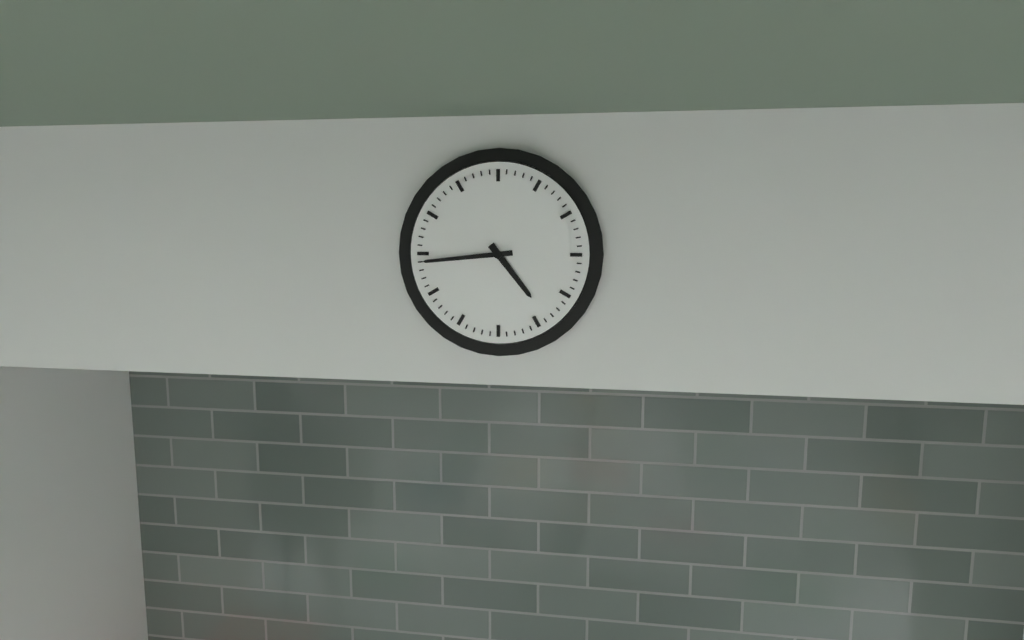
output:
4 h 44 min
